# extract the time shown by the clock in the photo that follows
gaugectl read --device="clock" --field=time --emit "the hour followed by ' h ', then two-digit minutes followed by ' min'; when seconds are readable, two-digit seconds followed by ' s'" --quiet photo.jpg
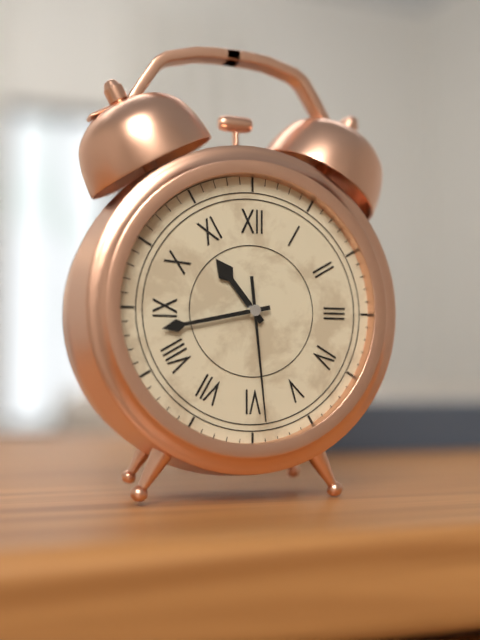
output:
10 h 43 min 29 s
